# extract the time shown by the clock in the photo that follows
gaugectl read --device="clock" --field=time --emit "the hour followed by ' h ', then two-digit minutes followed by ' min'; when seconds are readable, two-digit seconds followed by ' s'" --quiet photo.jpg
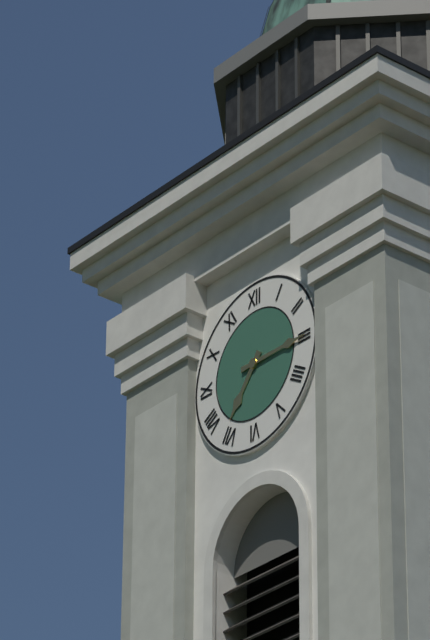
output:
7 h 15 min
